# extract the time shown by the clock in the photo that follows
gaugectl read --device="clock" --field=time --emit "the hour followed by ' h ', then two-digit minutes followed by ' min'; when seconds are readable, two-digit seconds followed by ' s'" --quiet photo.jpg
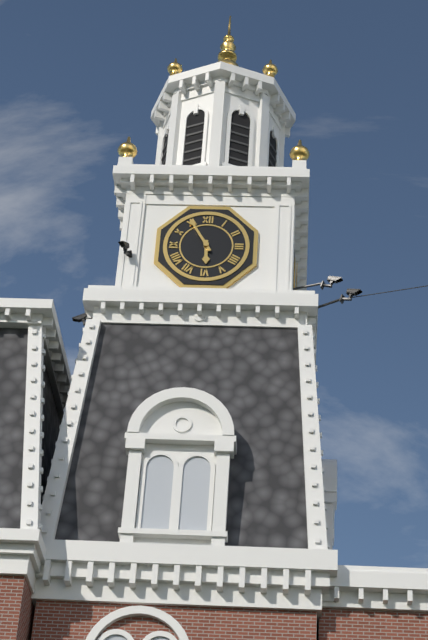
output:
5 h 55 min
